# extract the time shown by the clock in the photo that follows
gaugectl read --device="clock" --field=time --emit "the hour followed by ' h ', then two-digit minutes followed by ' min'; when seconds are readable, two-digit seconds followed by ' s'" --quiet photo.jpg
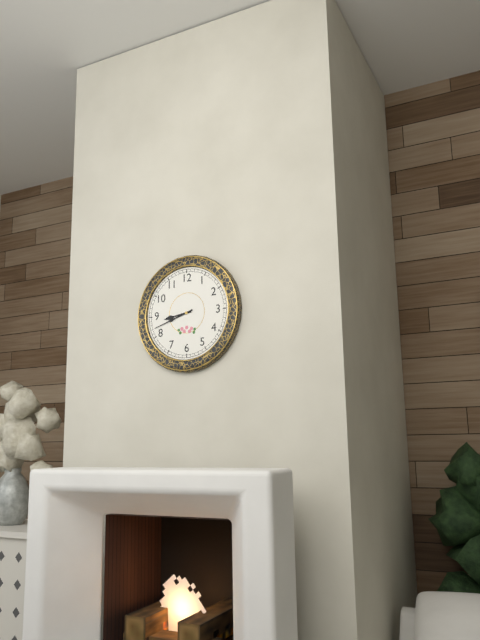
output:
8 h 42 min
